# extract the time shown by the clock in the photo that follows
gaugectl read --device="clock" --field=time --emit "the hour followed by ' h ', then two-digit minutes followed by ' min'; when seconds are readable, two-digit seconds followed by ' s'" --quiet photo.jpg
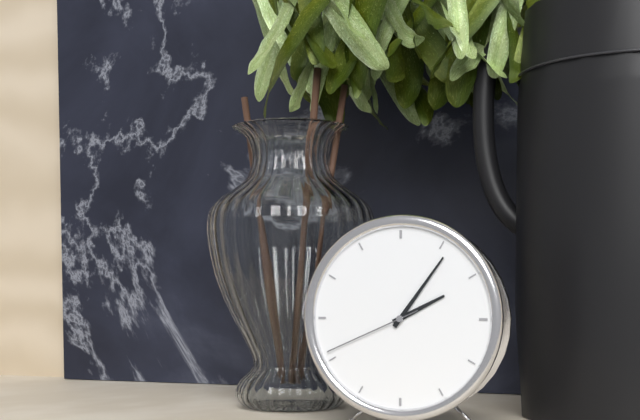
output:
2 h 06 min 41 s
